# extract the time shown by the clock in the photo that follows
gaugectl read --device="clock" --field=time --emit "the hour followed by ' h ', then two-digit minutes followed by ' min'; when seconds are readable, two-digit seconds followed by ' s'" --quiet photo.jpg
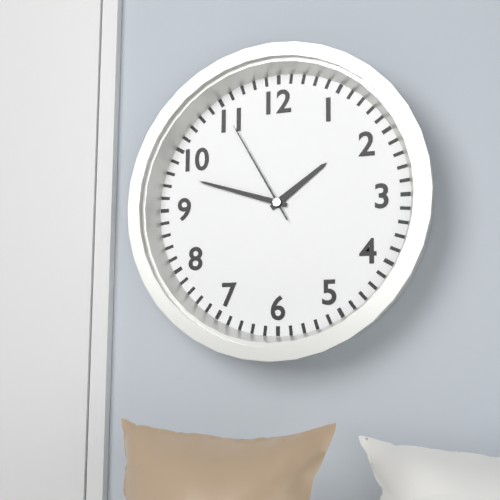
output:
1 h 48 min 55 s
